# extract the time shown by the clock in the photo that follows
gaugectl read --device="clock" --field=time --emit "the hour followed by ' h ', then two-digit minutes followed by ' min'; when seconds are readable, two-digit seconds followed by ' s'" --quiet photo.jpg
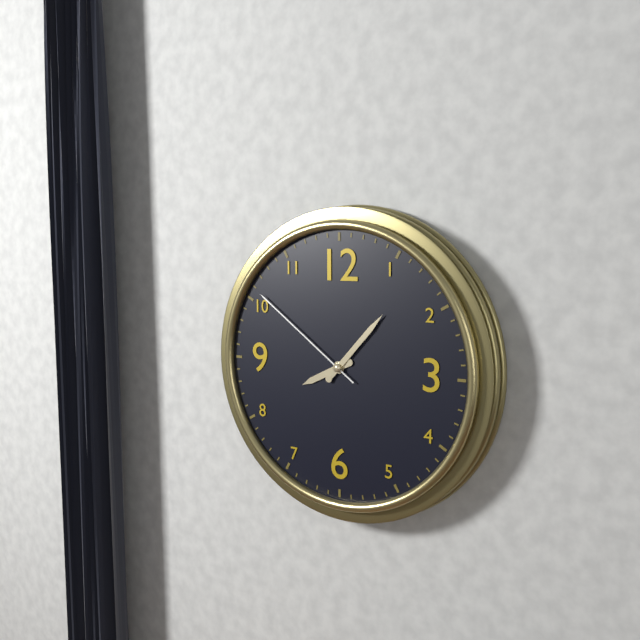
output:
8 h 07 min 51 s
